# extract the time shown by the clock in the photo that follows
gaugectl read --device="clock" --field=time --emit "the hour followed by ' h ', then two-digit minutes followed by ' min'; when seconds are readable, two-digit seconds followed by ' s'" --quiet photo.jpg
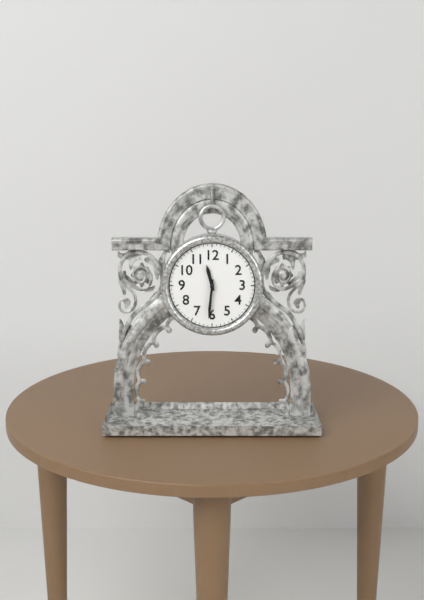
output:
11 h 31 min
